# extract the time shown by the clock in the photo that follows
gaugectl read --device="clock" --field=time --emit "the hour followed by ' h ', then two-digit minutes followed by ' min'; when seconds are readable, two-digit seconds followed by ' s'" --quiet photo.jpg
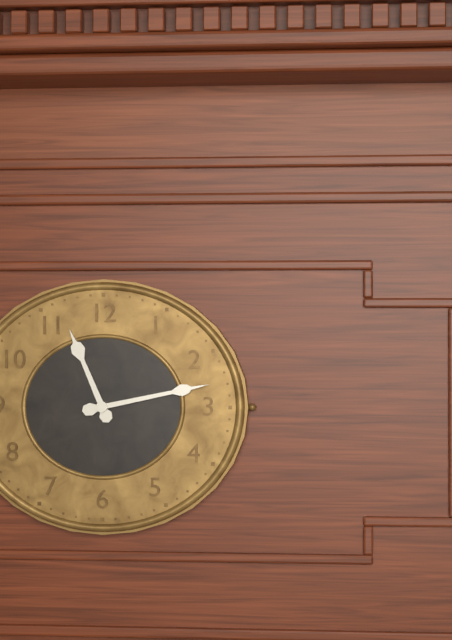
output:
11 h 13 min
